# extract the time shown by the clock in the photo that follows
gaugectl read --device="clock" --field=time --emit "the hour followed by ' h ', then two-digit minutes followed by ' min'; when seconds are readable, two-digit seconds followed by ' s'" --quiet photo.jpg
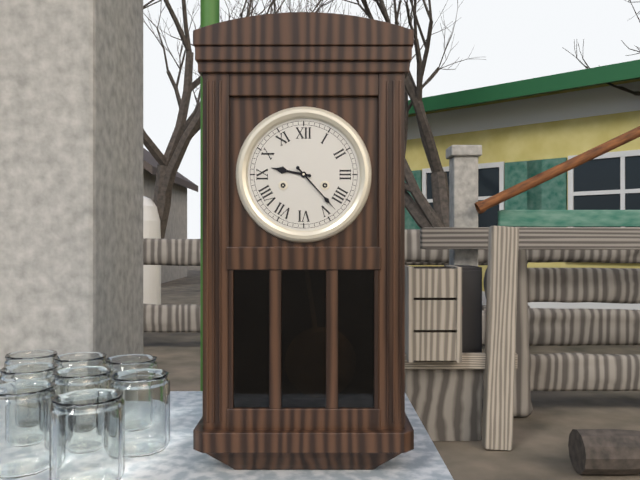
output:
9 h 23 min
